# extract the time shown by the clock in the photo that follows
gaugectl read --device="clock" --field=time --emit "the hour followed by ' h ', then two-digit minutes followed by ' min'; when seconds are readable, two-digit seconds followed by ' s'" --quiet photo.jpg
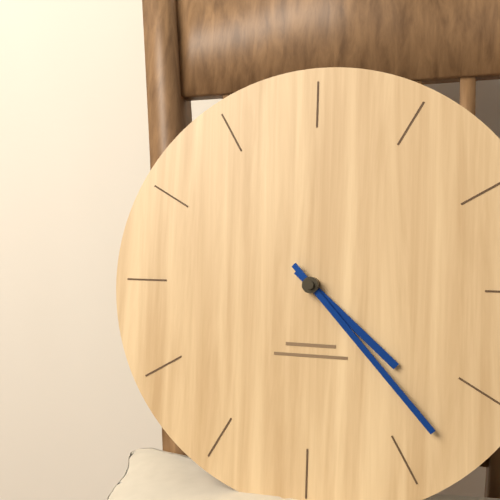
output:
4 h 23 min
